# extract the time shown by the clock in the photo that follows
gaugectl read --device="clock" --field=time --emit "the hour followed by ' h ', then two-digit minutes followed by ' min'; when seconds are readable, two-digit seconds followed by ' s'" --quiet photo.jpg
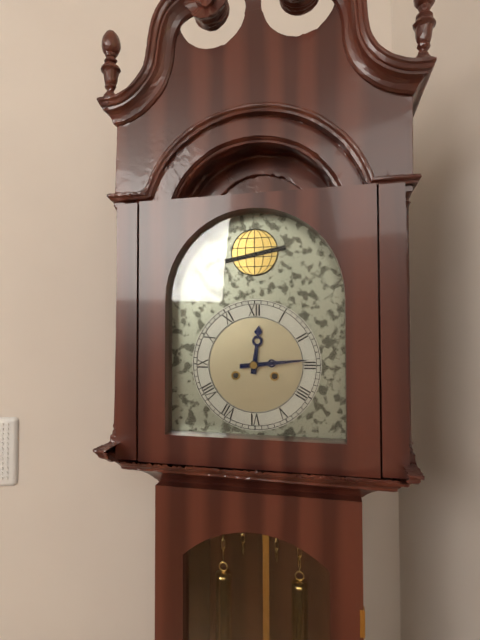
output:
12 h 14 min
